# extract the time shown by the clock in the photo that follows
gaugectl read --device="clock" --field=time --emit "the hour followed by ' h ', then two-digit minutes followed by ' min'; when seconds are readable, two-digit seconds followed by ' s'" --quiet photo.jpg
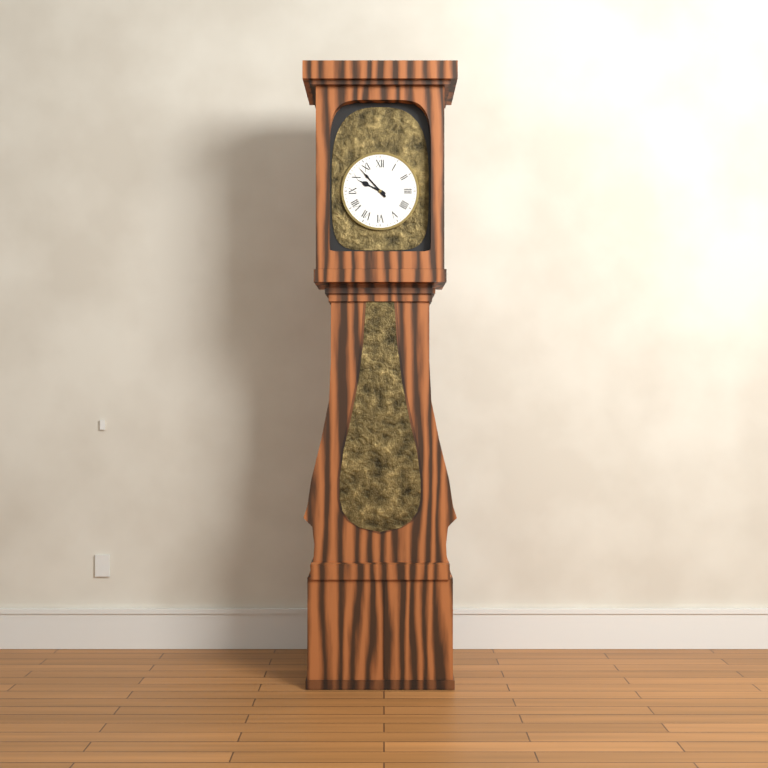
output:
9 h 53 min
